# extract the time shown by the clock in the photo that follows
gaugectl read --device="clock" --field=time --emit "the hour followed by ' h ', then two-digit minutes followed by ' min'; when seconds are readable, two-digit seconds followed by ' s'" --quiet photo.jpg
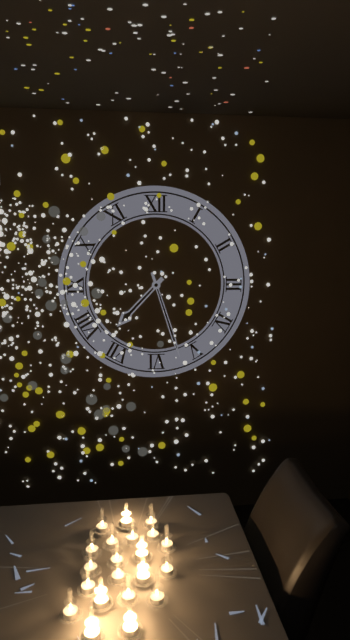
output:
7 h 27 min
